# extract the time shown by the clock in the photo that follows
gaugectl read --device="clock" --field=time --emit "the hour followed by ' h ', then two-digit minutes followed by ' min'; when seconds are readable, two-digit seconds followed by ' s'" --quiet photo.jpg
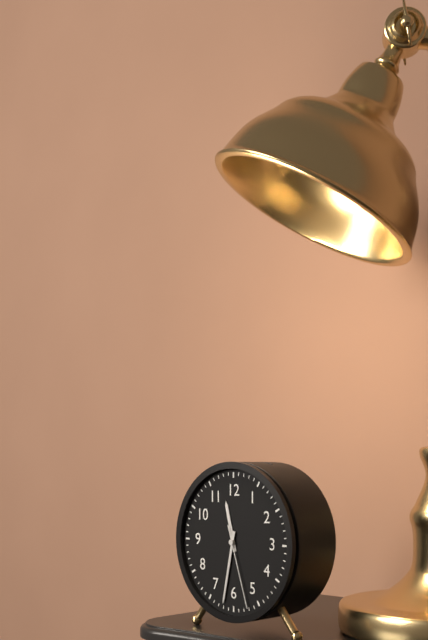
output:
11 h 32 min 27 s
